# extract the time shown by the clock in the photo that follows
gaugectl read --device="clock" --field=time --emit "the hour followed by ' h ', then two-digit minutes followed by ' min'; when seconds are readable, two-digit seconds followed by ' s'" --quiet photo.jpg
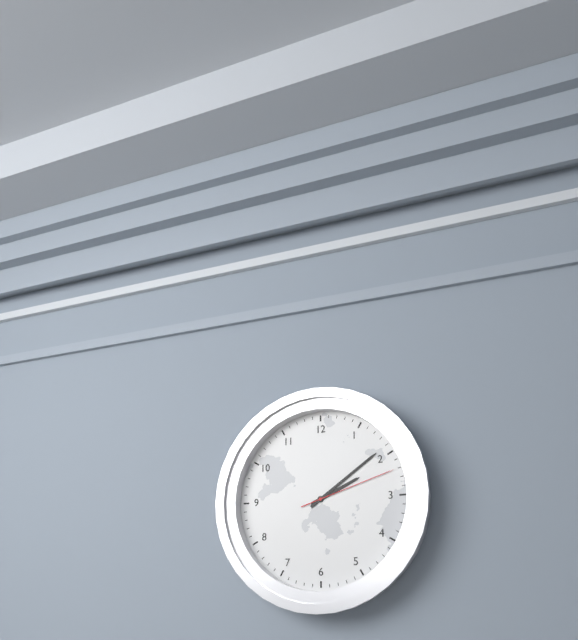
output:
2 h 09 min 12 s
